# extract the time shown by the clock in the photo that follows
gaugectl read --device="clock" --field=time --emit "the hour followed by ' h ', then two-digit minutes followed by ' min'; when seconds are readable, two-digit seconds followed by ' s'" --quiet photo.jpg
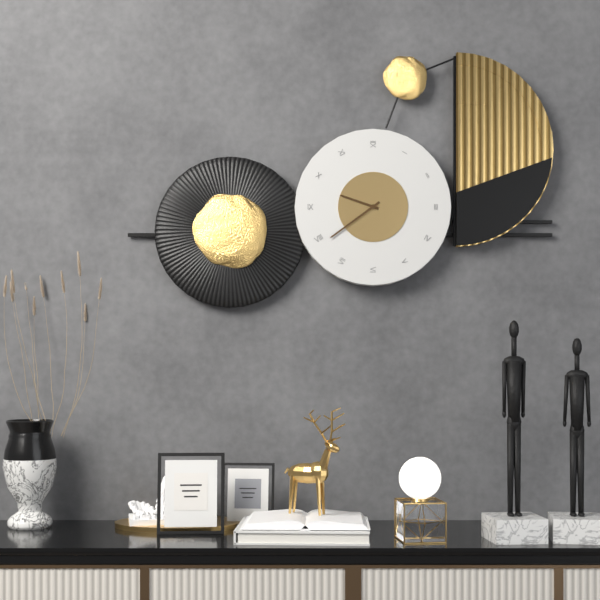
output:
9 h 39 min
